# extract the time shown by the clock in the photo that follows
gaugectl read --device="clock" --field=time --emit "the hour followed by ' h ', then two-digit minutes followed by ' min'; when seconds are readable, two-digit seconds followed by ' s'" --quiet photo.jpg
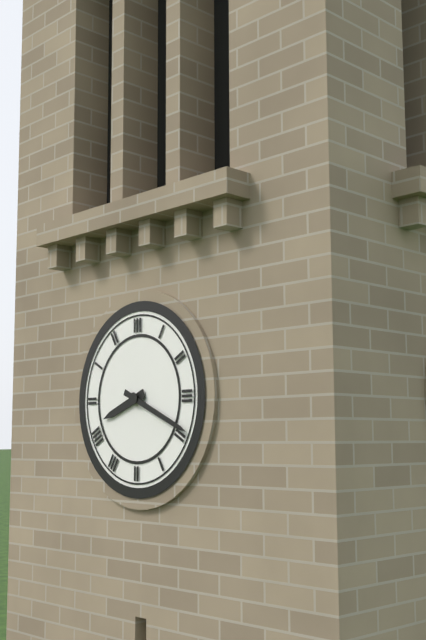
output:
8 h 19 min
